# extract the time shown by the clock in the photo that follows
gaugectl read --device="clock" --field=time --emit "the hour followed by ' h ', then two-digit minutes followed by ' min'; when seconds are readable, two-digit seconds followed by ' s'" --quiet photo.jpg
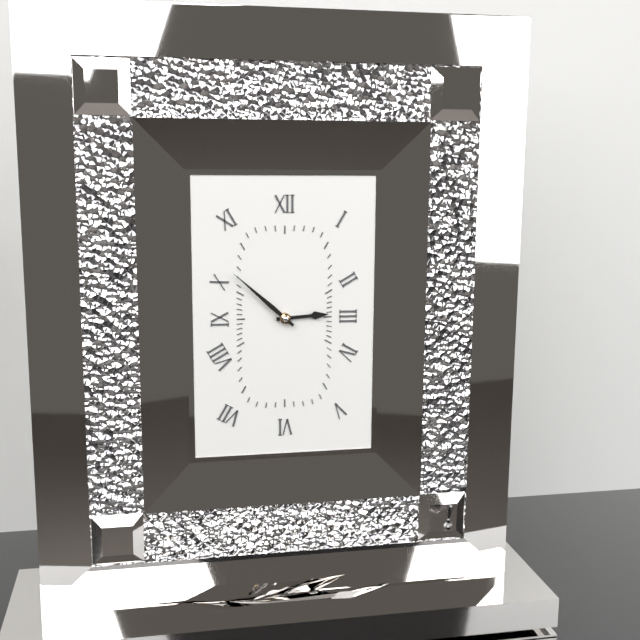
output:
2 h 52 min
